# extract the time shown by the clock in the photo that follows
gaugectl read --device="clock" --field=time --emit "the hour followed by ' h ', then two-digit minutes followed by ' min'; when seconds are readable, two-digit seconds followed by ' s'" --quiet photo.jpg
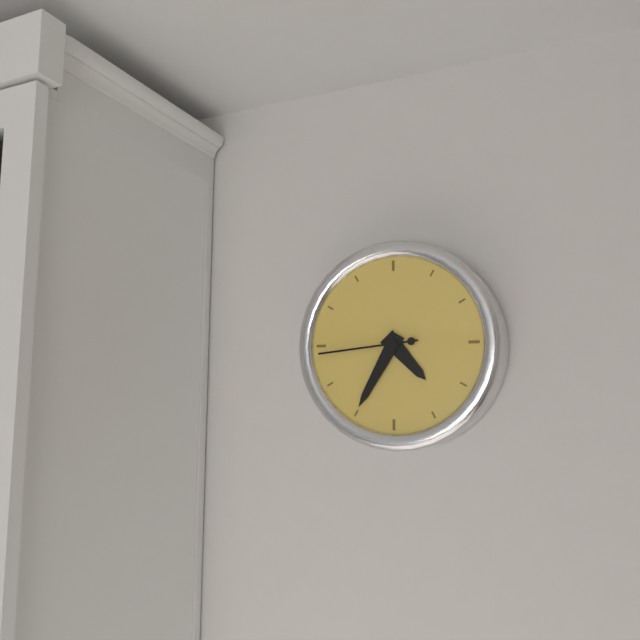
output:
4 h 35 min 44 s
